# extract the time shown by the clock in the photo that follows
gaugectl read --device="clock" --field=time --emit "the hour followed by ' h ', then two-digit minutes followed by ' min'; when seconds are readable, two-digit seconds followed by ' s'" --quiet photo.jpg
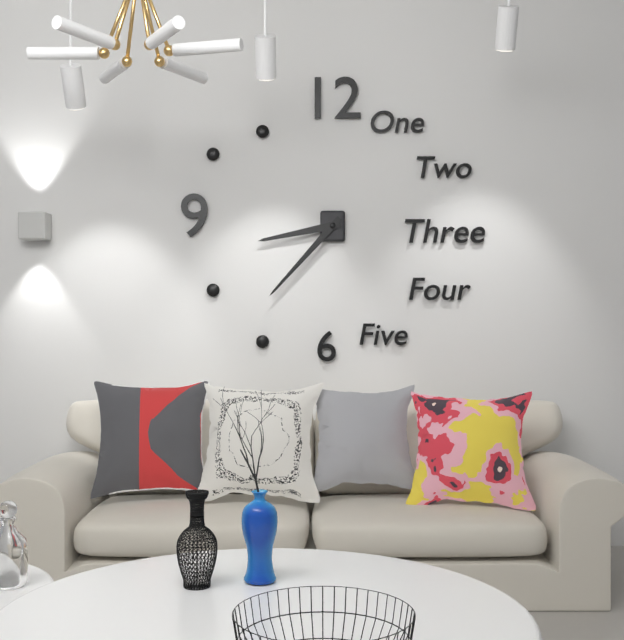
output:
8 h 37 min
